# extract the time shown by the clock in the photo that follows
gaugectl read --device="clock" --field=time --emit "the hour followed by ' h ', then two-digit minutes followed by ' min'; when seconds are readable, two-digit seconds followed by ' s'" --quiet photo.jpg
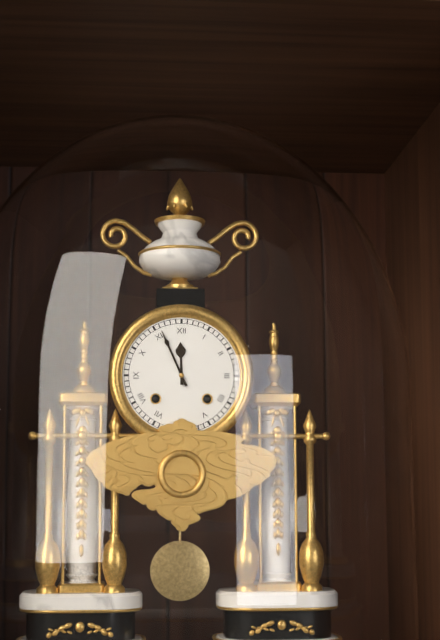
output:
11 h 56 min
